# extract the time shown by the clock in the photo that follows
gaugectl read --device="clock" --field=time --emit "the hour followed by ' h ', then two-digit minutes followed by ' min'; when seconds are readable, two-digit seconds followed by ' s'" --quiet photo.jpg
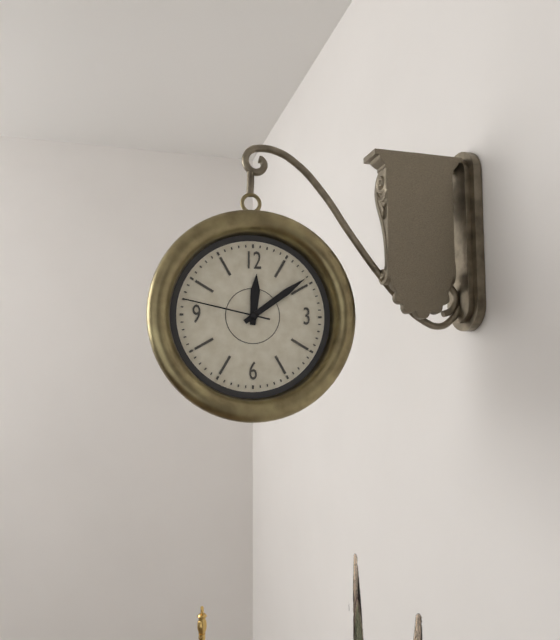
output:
12 h 09 min 47 s
